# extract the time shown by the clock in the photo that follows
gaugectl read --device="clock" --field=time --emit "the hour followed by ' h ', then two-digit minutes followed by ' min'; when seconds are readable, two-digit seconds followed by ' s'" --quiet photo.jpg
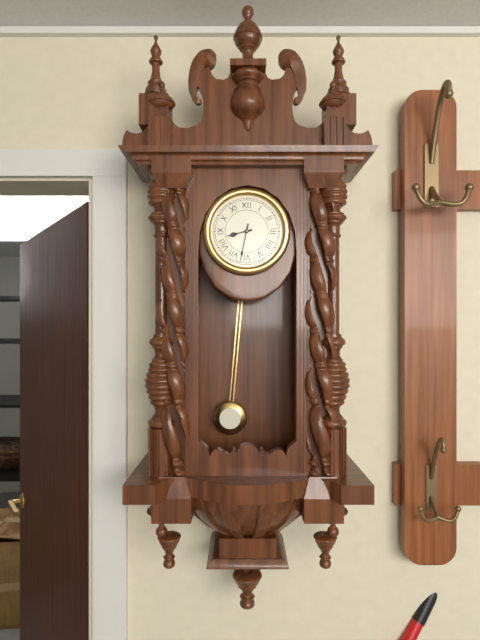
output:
8 h 32 min
